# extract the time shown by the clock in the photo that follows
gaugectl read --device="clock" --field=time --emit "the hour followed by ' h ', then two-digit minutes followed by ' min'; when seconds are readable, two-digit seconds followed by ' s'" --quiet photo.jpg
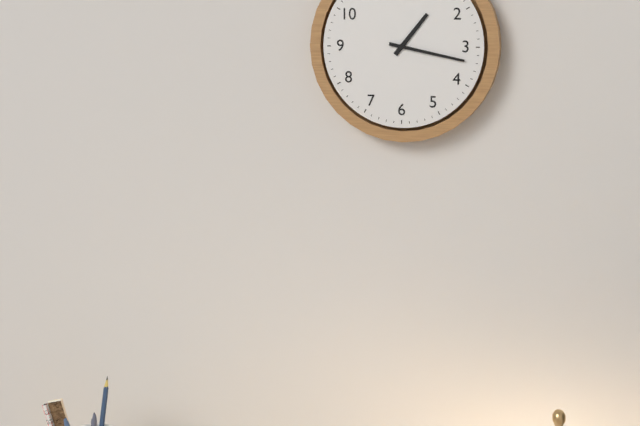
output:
1 h 17 min
